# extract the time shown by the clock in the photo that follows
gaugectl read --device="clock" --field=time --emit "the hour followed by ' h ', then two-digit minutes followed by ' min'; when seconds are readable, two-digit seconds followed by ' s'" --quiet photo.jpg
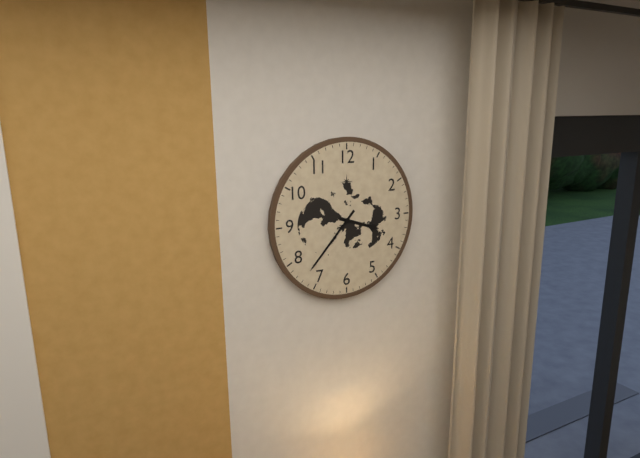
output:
3 h 37 min
